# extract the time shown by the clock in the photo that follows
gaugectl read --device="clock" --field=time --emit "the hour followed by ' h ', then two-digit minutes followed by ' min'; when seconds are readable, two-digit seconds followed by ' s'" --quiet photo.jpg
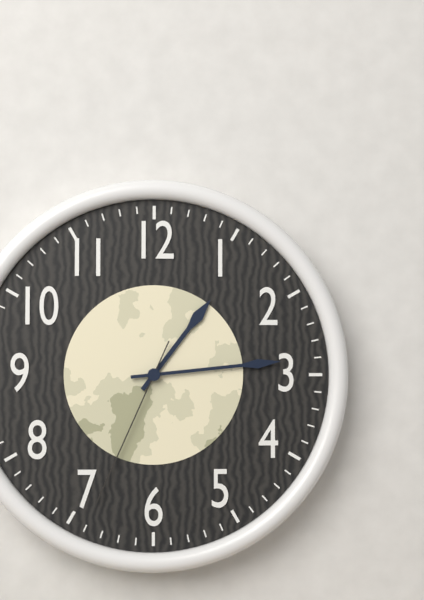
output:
1 h 14 min 34 s
